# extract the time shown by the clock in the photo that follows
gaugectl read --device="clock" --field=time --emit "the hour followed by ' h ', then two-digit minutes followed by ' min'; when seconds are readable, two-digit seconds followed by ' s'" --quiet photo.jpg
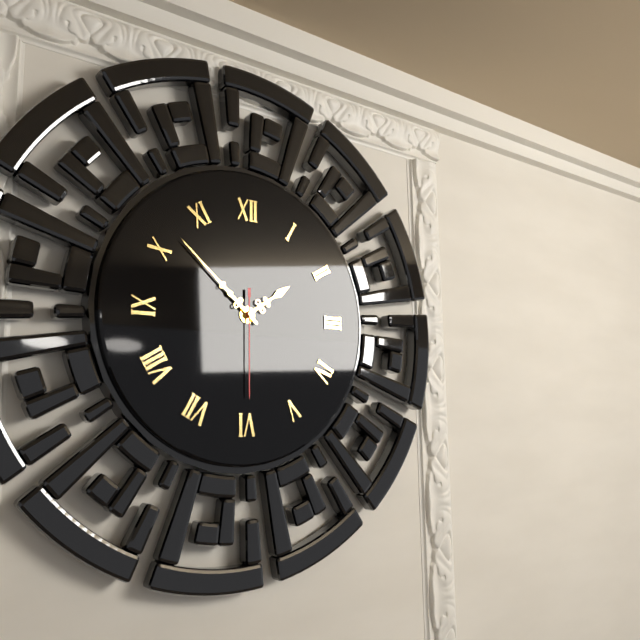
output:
1 h 52 min 30 s
